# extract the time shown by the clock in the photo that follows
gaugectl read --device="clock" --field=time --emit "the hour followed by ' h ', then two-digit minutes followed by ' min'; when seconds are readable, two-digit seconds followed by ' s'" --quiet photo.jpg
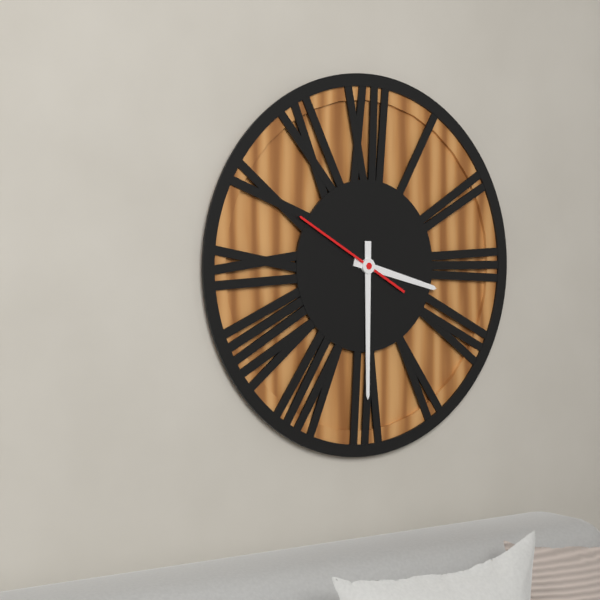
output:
3 h 30 min 50 s
